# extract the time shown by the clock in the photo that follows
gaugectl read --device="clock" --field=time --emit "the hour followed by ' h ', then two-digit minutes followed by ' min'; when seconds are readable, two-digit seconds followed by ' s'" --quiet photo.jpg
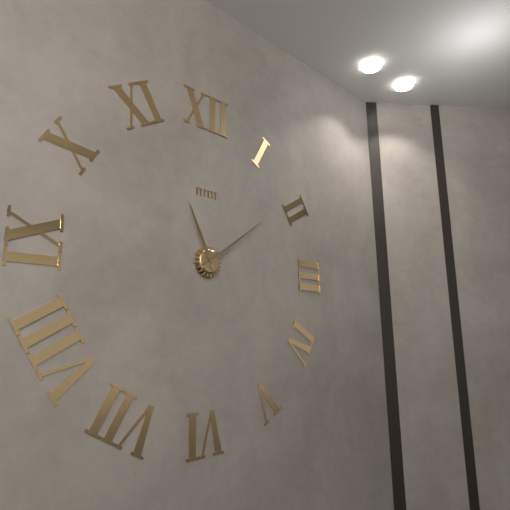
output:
11 h 09 min
